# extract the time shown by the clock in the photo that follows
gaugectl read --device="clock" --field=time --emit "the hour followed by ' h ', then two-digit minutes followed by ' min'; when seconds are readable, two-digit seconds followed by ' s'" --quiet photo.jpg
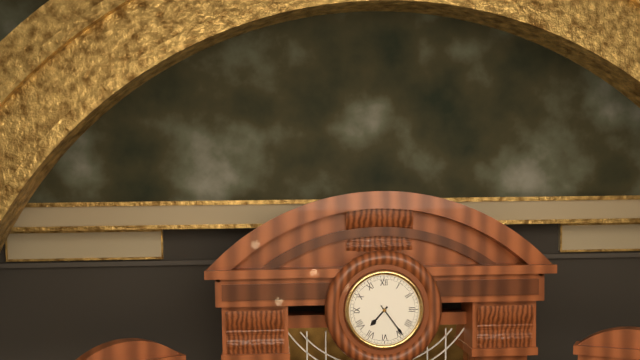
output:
7 h 24 min
